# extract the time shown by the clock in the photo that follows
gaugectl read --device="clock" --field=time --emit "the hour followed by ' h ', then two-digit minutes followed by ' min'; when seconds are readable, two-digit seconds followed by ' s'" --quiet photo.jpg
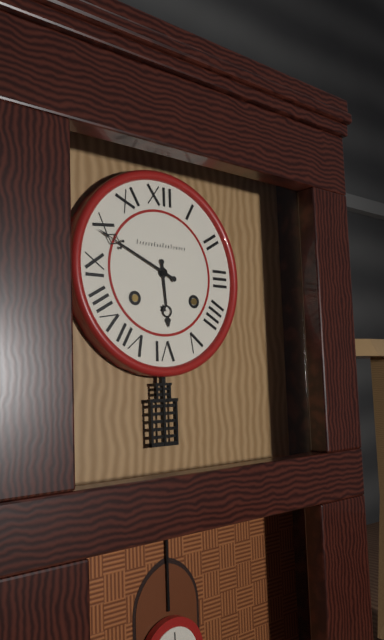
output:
5 h 49 min
